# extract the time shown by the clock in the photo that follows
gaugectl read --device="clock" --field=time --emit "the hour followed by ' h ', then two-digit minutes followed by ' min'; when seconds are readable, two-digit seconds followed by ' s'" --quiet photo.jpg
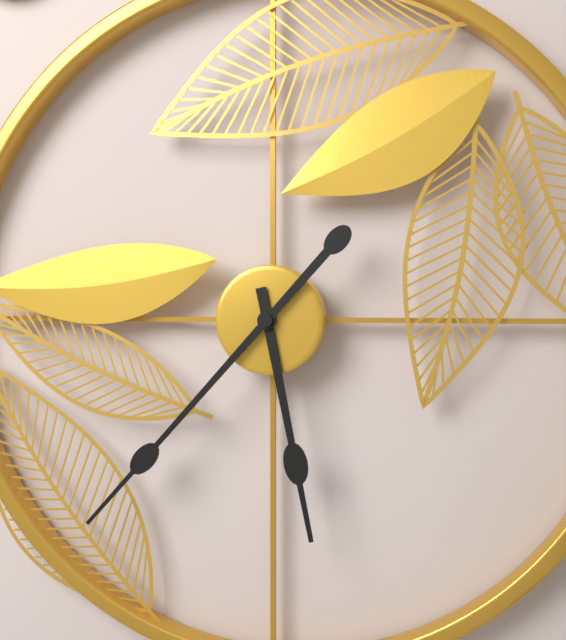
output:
5 h 37 min
